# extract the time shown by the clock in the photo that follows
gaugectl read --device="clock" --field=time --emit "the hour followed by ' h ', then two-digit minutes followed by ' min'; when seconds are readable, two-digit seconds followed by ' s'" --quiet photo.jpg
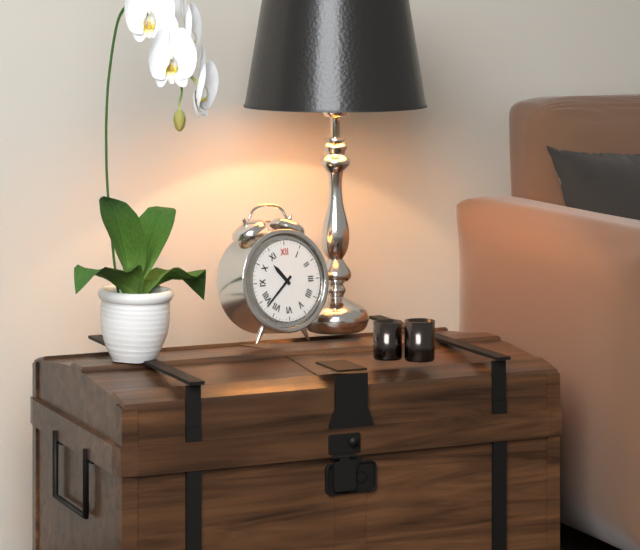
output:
10 h 38 min
